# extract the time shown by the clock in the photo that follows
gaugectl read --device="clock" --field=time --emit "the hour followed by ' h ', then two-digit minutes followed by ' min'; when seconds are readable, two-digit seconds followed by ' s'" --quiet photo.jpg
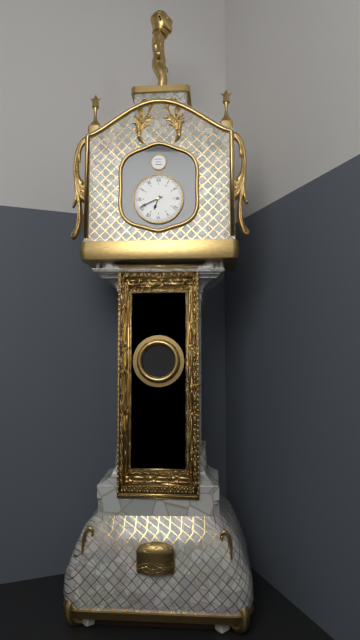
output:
6 h 41 min
